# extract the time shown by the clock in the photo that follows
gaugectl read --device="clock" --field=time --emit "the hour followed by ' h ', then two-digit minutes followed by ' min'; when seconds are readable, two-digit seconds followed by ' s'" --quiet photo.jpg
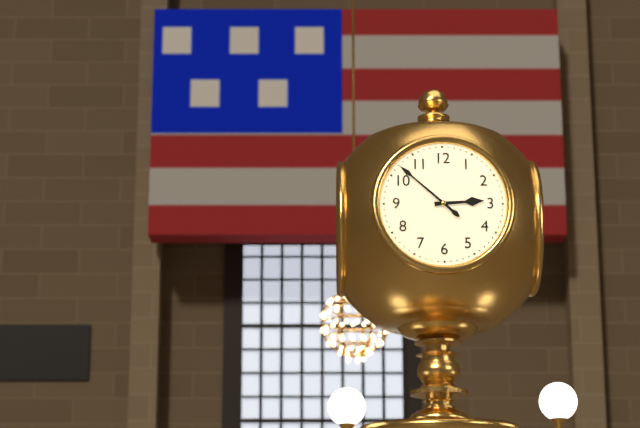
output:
2 h 52 min
